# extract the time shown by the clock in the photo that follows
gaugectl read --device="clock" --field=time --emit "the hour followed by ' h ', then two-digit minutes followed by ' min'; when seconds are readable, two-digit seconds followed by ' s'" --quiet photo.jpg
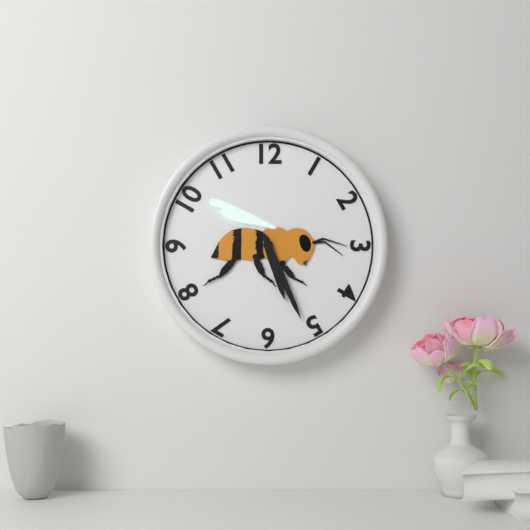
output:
5 h 26 min
